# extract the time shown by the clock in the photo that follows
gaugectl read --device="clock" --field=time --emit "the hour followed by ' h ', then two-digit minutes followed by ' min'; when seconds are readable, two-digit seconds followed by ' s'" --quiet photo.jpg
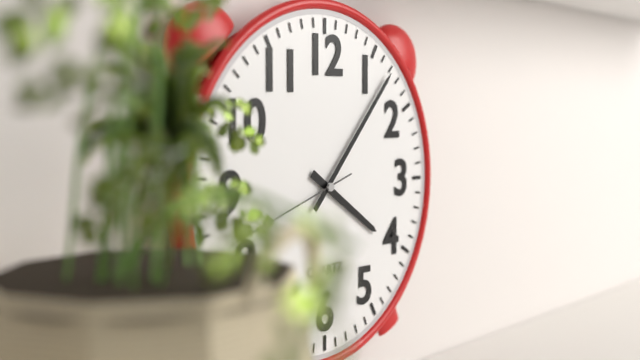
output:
4 h 07 min
